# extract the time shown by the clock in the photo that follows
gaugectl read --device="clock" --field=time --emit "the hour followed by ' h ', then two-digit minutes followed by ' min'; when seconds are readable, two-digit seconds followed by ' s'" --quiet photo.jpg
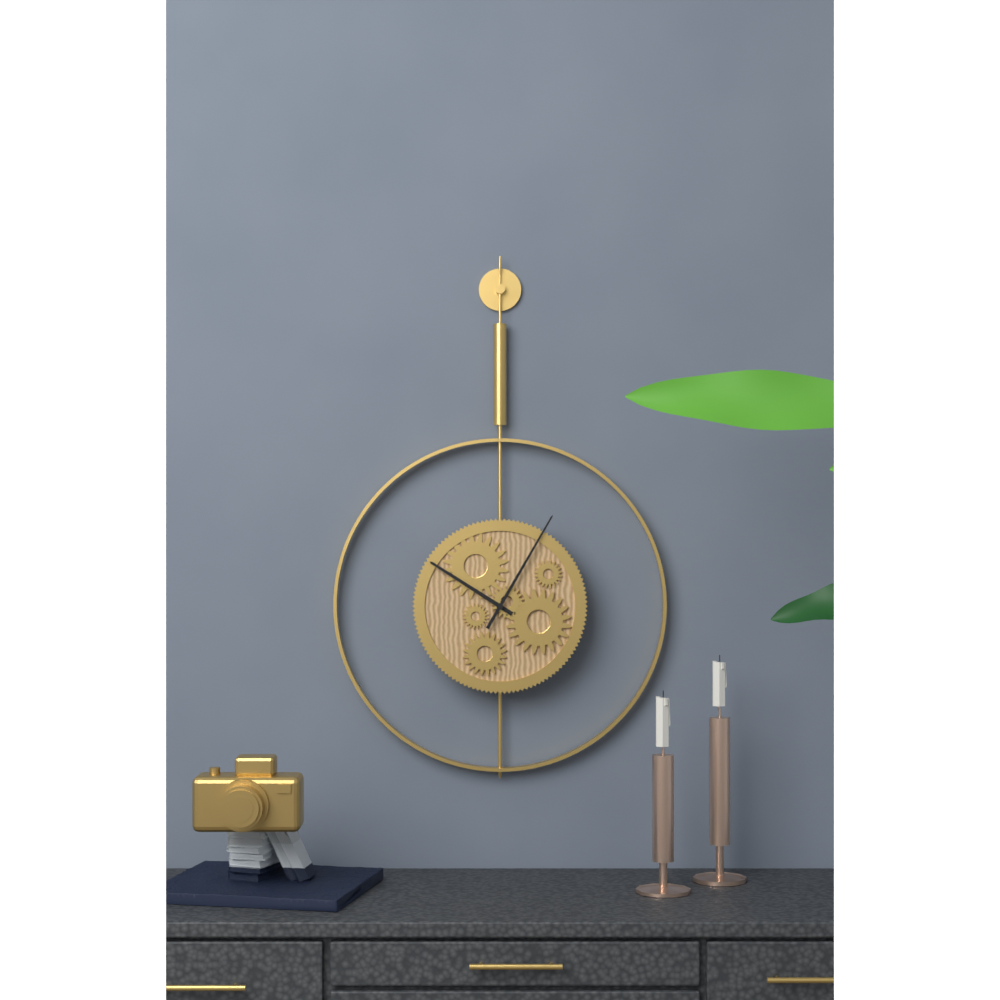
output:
10 h 05 min
